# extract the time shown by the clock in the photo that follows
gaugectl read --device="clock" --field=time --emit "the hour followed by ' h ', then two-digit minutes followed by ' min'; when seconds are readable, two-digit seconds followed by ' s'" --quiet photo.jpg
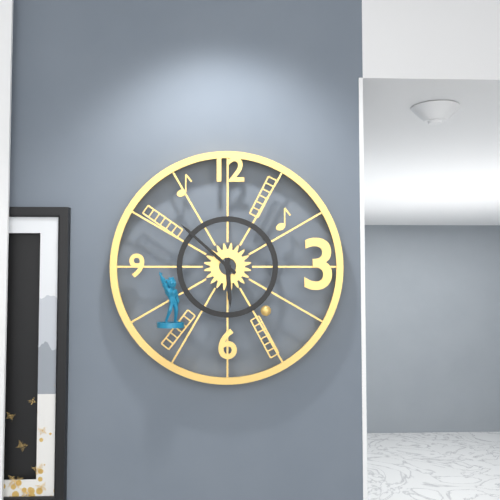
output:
5 h 52 min
